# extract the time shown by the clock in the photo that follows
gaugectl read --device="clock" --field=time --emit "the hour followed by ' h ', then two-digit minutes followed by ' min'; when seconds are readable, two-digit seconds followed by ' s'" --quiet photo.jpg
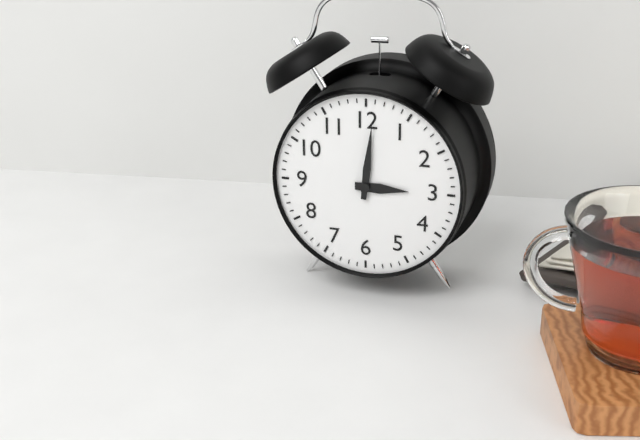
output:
3 h 01 min
